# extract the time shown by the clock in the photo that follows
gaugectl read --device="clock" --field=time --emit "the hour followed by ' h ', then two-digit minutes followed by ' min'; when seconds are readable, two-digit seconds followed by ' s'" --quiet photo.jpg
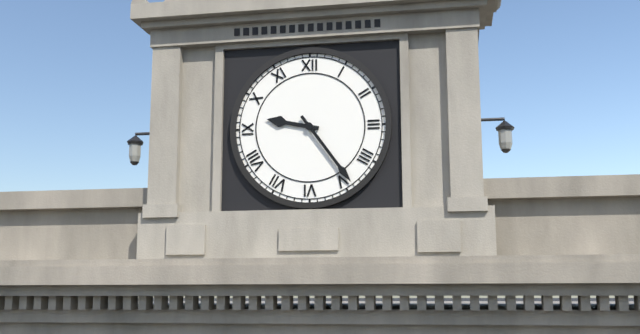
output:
9 h 24 min
